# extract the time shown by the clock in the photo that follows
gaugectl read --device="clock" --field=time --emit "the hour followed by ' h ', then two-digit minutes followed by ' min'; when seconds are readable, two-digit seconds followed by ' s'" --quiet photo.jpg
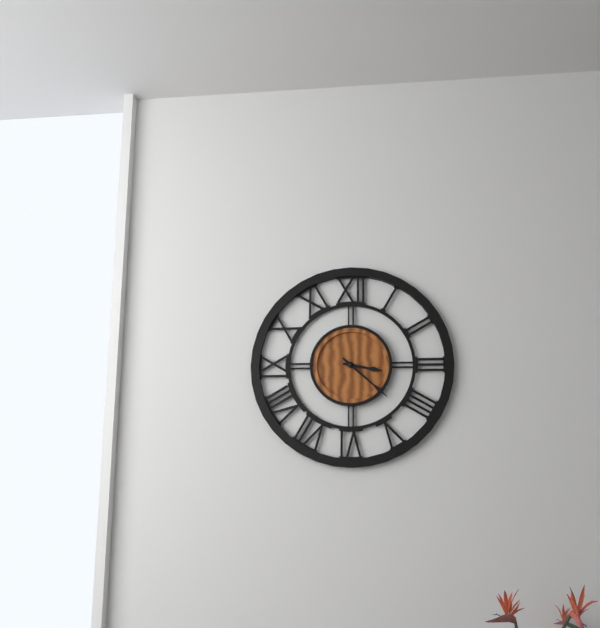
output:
3 h 22 min
